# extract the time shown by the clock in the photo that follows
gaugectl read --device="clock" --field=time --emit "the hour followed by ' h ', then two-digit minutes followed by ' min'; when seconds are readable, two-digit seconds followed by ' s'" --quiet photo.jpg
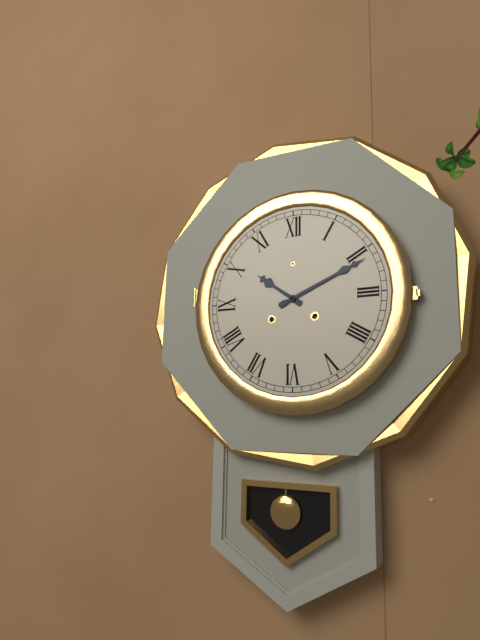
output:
10 h 11 min
